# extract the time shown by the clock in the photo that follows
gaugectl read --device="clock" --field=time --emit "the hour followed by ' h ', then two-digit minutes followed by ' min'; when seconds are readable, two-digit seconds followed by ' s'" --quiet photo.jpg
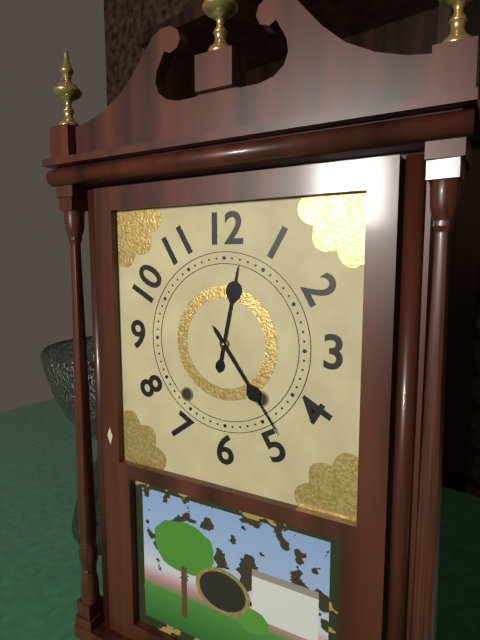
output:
12 h 24 min
